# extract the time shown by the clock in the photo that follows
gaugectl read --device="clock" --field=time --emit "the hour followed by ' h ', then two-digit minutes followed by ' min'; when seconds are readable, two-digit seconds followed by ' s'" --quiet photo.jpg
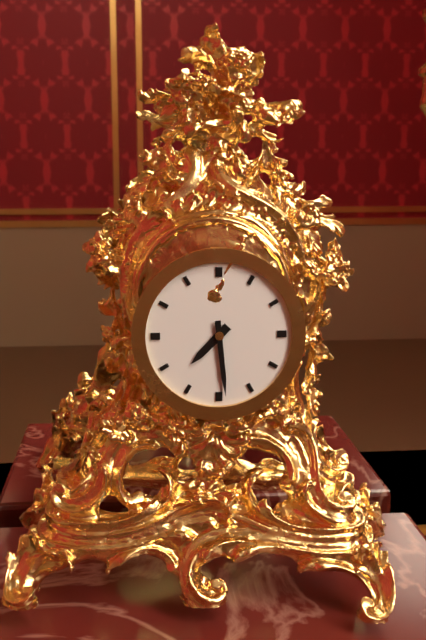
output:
7 h 29 min
